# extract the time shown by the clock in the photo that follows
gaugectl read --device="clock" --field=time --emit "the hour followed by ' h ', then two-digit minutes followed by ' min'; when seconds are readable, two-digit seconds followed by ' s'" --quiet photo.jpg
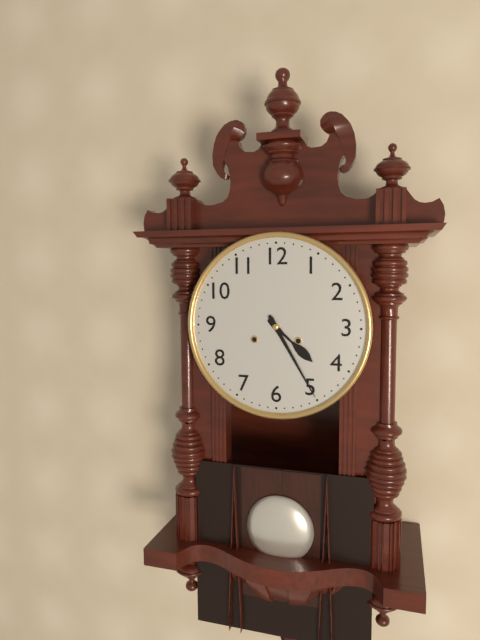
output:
4 h 25 min
